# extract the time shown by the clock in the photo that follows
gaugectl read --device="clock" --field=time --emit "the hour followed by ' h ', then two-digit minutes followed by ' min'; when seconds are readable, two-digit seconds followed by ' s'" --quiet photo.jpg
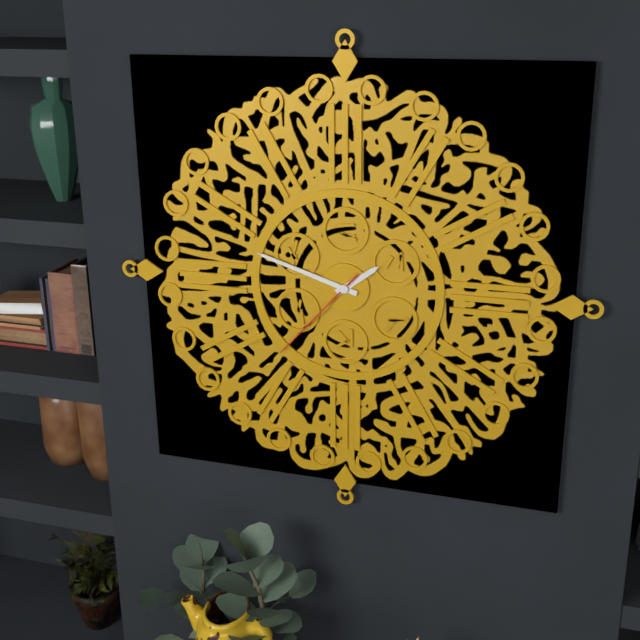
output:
1 h 48 min 37 s
